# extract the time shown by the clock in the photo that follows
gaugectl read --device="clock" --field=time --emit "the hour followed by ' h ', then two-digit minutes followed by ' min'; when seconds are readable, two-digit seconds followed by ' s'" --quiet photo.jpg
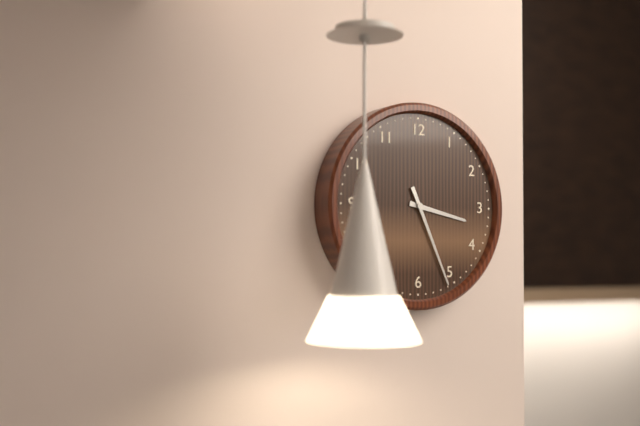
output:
3 h 26 min
